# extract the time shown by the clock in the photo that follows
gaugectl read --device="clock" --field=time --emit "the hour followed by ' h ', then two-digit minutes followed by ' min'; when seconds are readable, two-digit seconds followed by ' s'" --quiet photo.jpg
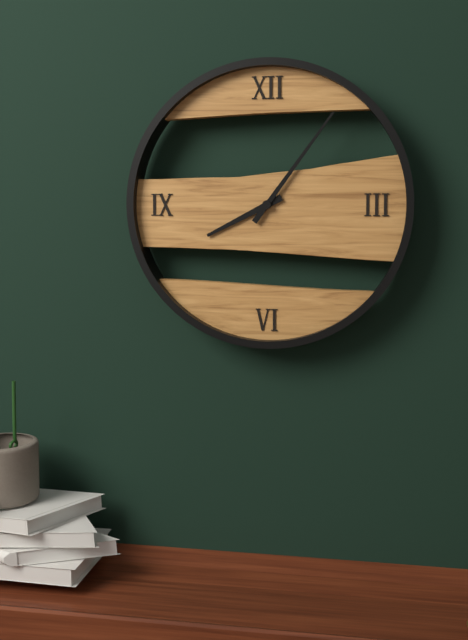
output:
8 h 06 min
